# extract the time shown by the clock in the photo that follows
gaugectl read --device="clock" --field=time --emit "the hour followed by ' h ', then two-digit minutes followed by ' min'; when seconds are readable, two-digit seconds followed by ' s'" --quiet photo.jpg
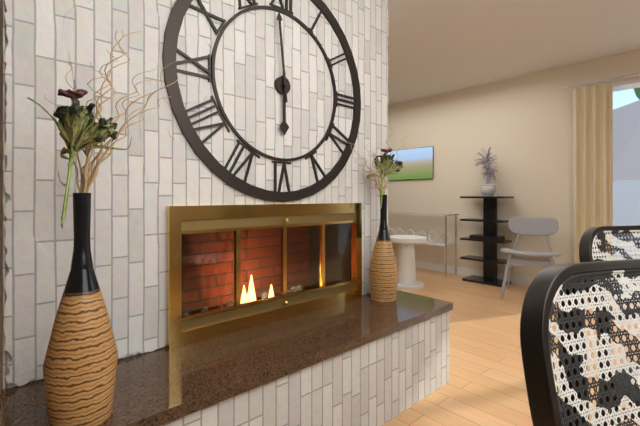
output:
5 h 59 min
